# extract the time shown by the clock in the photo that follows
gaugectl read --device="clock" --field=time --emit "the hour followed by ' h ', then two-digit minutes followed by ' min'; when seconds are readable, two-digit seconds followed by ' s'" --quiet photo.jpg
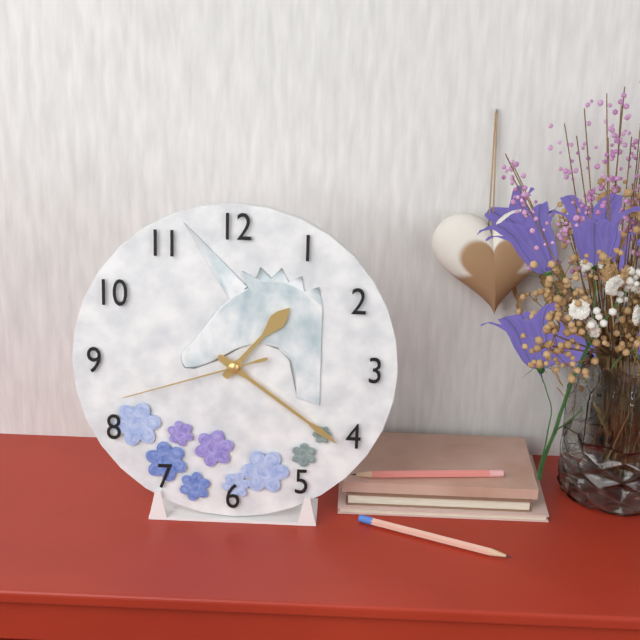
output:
1 h 21 min 42 s
